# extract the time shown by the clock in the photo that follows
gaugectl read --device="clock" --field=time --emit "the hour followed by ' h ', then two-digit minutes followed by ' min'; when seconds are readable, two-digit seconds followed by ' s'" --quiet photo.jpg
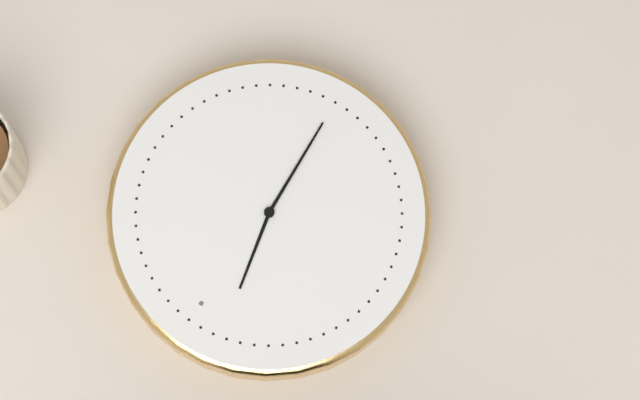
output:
11 h 29 min
